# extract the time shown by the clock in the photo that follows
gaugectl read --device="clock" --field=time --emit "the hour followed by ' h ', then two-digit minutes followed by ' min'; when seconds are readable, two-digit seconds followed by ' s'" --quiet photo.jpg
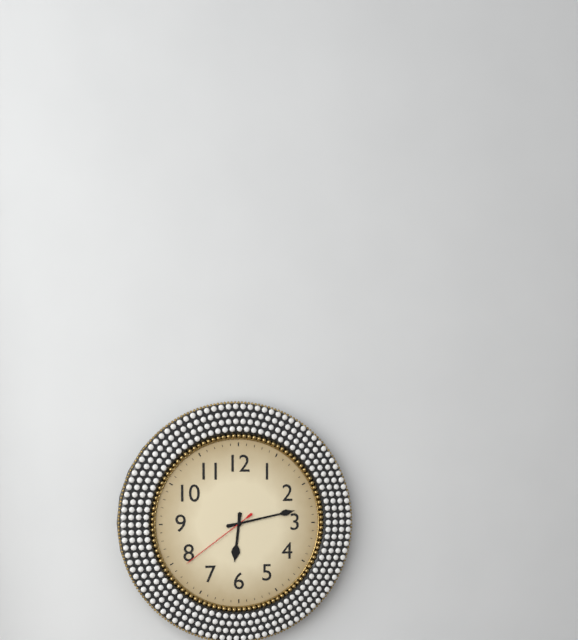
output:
6 h 13 min 39 s
